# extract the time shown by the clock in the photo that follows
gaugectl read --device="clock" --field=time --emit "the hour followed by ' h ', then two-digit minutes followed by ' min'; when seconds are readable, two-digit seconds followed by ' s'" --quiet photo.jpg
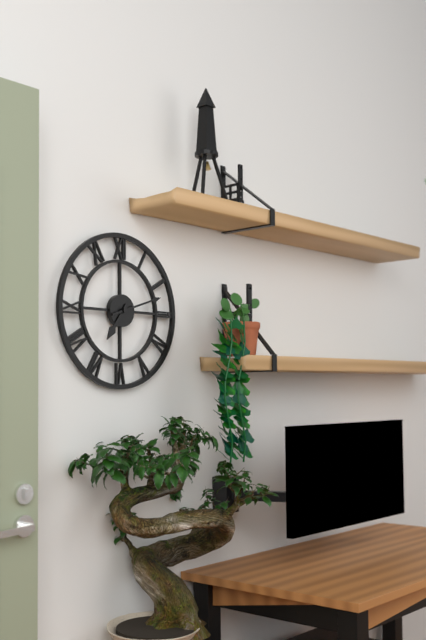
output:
7 h 12 min
